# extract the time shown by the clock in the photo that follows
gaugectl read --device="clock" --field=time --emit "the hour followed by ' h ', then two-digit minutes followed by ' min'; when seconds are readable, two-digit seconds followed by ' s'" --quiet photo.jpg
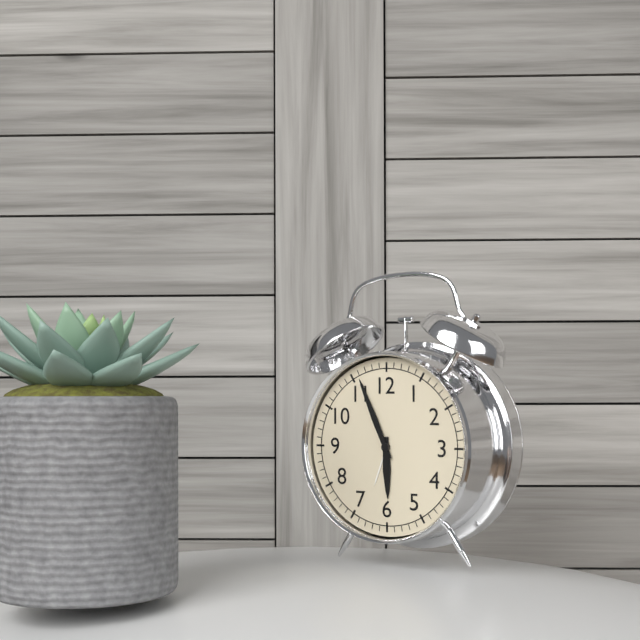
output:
5 h 56 min
